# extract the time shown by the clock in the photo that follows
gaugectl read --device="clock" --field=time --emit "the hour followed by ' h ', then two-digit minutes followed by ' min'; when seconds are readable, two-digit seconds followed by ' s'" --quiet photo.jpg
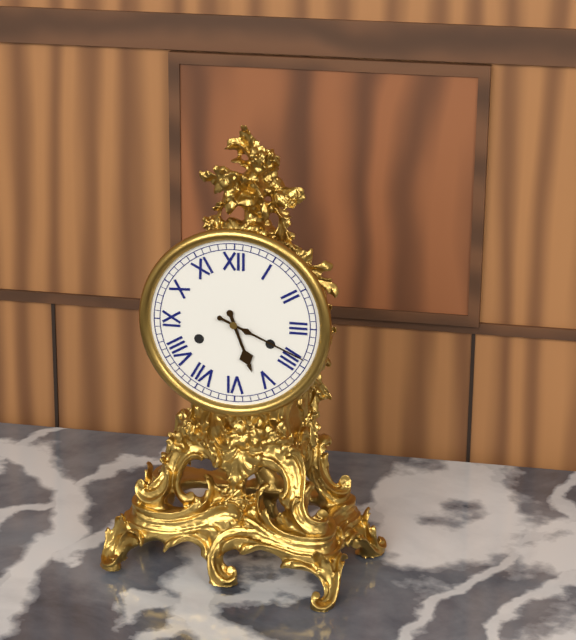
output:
5 h 19 min
